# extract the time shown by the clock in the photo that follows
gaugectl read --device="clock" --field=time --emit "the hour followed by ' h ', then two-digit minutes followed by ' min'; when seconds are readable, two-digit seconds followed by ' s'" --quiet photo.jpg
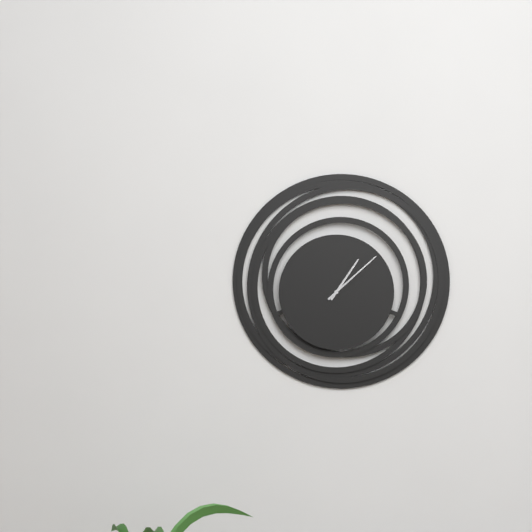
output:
1 h 08 min
